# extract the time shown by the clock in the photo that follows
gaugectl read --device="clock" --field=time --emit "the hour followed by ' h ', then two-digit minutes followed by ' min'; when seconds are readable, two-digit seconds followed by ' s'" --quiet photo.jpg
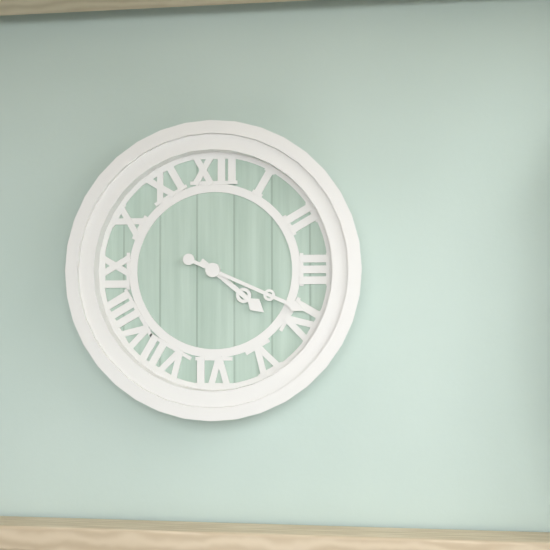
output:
4 h 19 min
